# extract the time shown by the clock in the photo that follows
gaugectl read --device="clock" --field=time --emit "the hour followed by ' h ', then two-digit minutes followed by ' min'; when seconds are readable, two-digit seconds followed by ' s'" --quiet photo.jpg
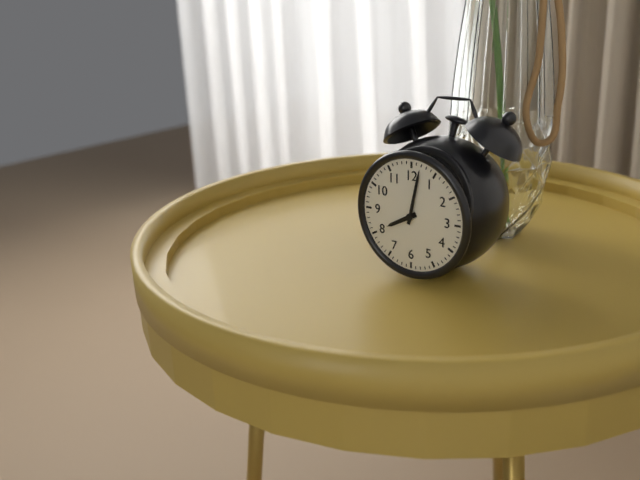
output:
8 h 02 min
